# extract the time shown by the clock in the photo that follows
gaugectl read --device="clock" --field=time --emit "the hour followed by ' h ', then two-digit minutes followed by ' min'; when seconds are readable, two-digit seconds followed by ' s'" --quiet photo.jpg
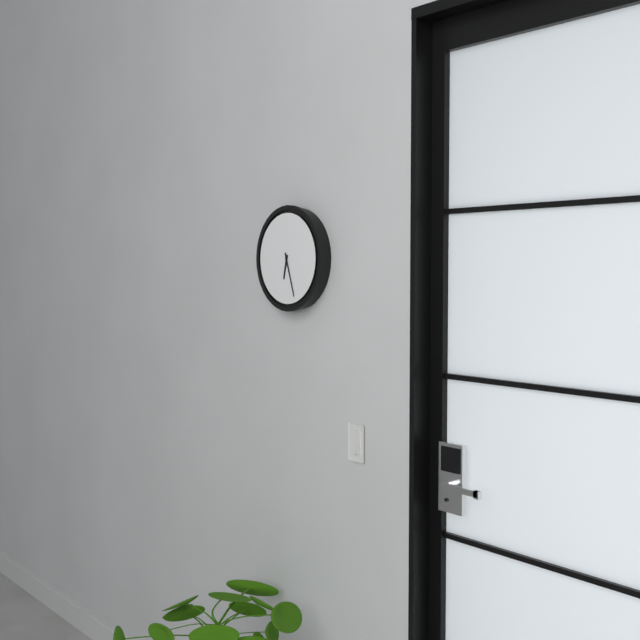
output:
6 h 27 min
